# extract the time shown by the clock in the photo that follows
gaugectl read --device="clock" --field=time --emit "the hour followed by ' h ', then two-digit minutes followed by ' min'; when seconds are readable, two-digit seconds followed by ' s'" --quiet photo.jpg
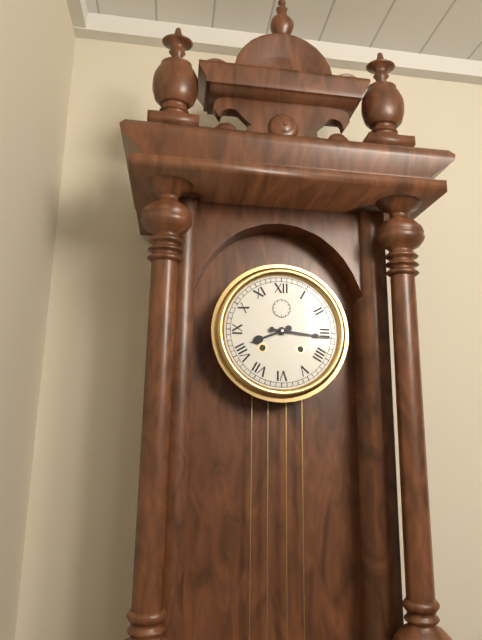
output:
8 h 16 min
